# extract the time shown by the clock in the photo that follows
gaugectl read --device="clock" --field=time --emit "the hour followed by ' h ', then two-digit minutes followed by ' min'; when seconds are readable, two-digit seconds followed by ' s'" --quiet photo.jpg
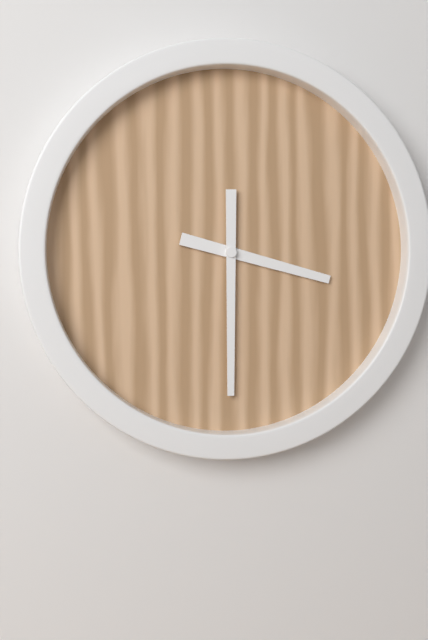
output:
3 h 30 min
